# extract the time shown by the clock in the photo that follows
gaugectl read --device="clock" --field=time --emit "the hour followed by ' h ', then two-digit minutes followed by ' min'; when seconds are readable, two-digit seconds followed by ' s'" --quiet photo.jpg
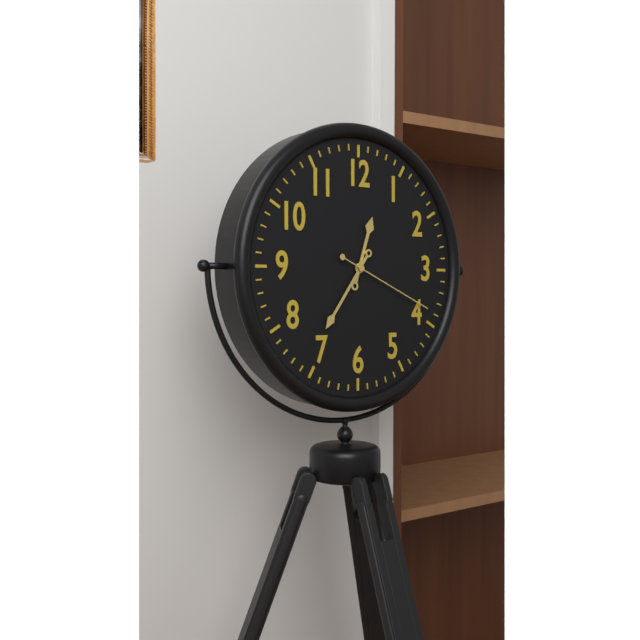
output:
12 h 36 min 19 s
